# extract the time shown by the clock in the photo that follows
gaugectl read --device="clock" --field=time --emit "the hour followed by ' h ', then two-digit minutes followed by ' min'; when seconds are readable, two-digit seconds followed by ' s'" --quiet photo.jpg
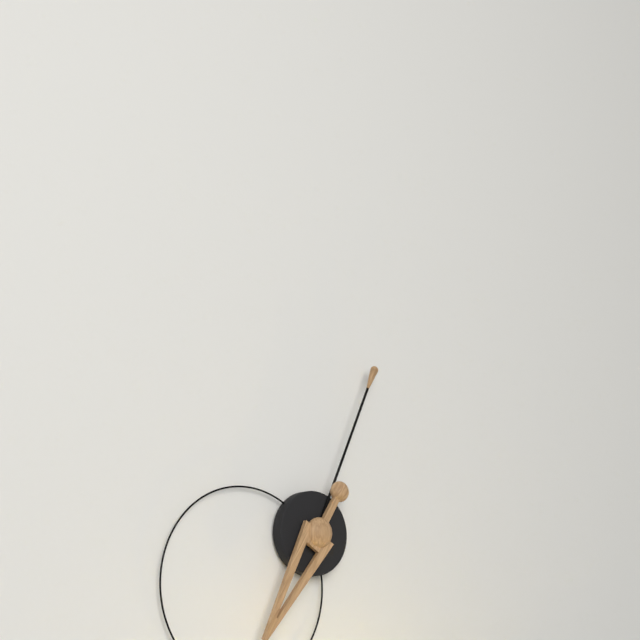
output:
7 h 04 min
